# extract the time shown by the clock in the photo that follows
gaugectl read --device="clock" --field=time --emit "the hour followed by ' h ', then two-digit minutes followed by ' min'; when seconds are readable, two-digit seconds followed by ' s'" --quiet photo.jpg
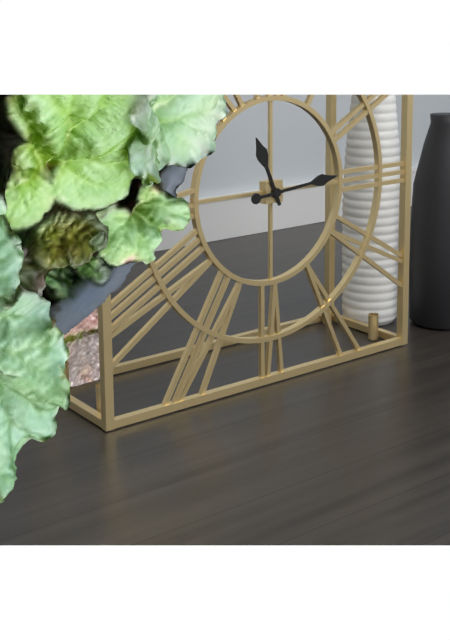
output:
11 h 14 min
